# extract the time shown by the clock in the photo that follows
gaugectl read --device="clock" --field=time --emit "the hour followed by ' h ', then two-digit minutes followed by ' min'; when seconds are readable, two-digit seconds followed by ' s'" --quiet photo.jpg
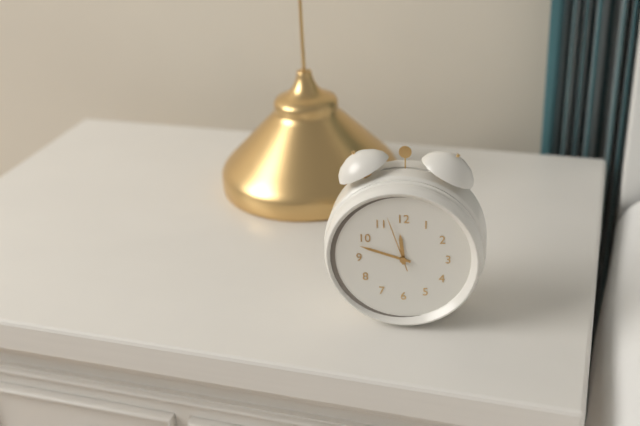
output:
11 h 48 min 57 s
